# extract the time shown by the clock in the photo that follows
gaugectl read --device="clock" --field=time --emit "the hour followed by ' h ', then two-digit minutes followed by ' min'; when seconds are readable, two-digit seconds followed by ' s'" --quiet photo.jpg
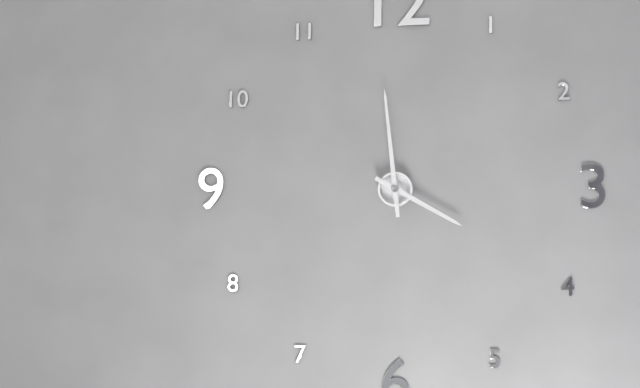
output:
3 h 59 min
